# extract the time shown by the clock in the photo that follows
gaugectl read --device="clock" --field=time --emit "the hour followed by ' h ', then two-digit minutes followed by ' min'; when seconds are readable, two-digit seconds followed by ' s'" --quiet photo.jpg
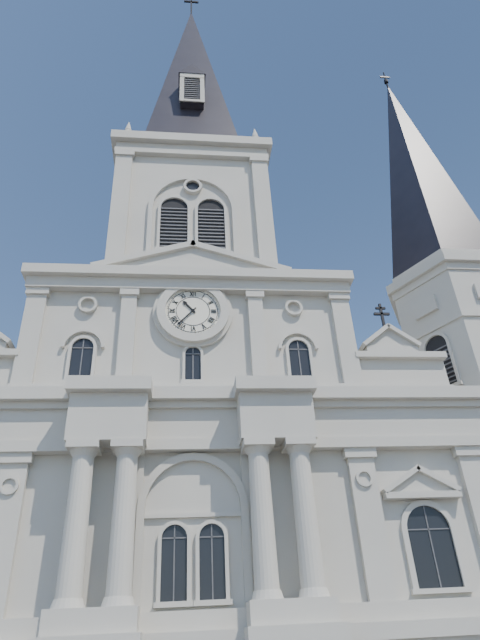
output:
10 h 37 min
